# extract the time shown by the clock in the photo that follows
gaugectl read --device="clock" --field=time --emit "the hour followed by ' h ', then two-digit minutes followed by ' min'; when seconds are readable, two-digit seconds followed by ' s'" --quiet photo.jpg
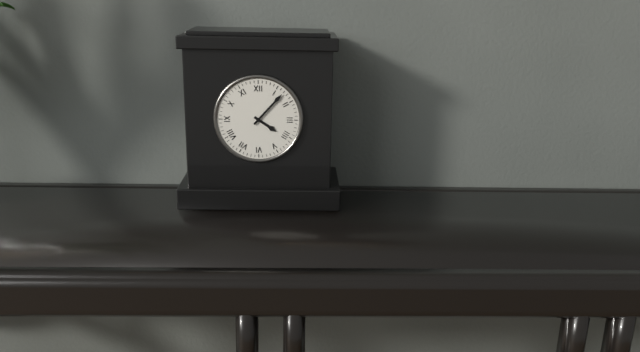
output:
4 h 07 min
